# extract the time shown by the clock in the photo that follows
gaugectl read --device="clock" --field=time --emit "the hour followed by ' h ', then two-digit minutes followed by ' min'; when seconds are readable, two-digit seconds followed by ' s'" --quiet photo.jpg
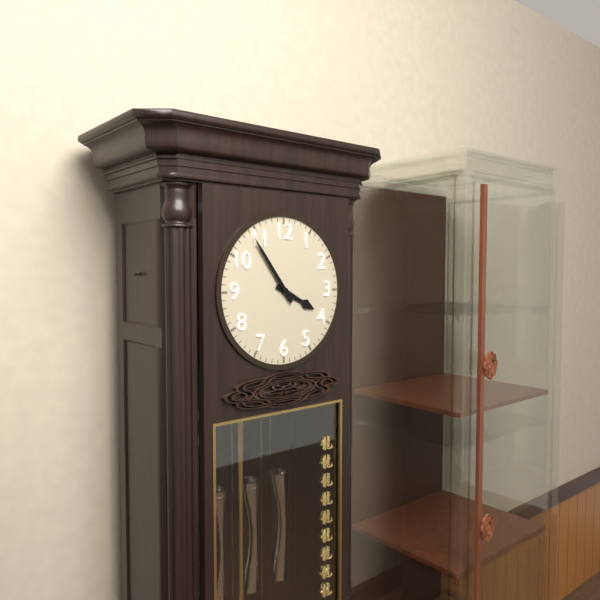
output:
3 h 54 min
